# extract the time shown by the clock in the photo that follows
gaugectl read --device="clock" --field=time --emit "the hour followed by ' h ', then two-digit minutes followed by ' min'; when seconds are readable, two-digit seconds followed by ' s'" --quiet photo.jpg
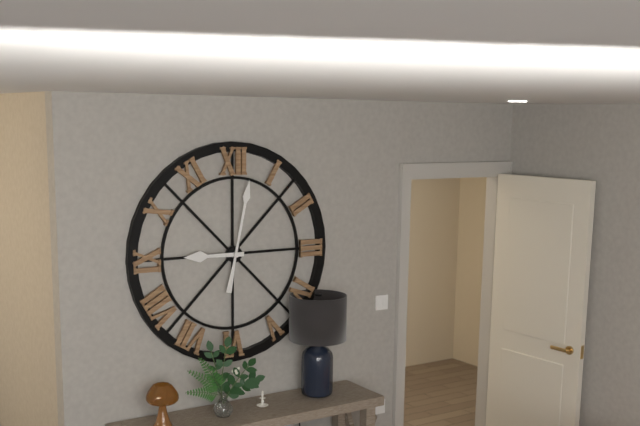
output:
9 h 02 min
